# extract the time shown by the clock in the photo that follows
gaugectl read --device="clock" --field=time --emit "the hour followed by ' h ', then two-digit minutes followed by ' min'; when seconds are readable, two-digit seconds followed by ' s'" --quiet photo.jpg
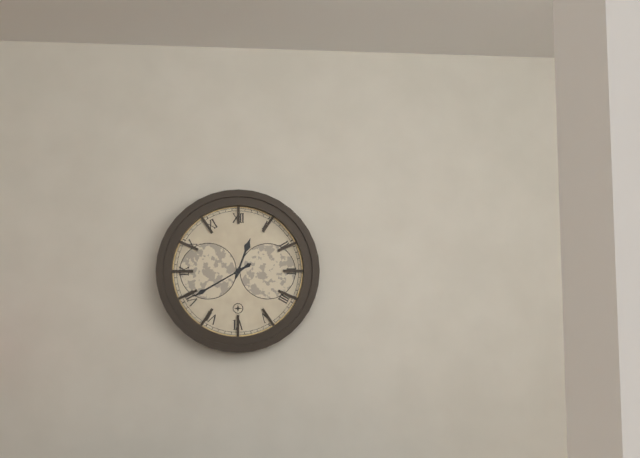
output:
12 h 40 min
